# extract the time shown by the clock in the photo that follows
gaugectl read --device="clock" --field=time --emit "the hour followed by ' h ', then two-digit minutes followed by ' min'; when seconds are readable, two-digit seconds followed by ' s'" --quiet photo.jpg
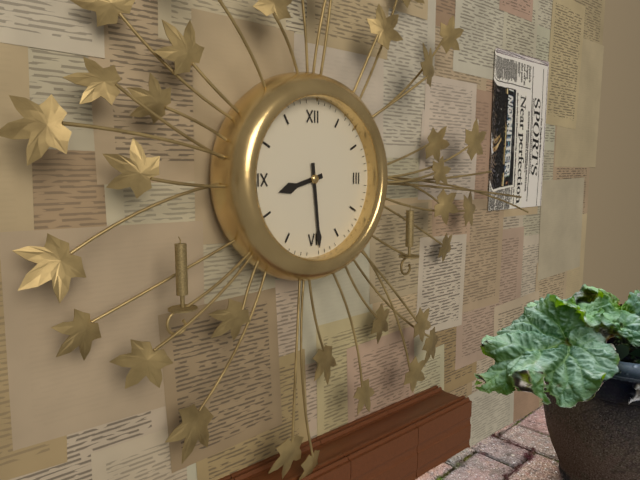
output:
8 h 29 min
